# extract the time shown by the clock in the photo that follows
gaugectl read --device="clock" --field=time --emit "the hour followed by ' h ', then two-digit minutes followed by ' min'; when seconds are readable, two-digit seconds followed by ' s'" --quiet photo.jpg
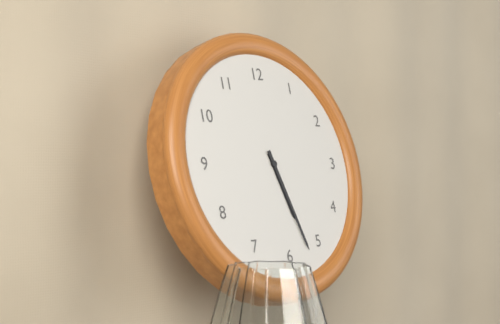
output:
5 h 27 min
